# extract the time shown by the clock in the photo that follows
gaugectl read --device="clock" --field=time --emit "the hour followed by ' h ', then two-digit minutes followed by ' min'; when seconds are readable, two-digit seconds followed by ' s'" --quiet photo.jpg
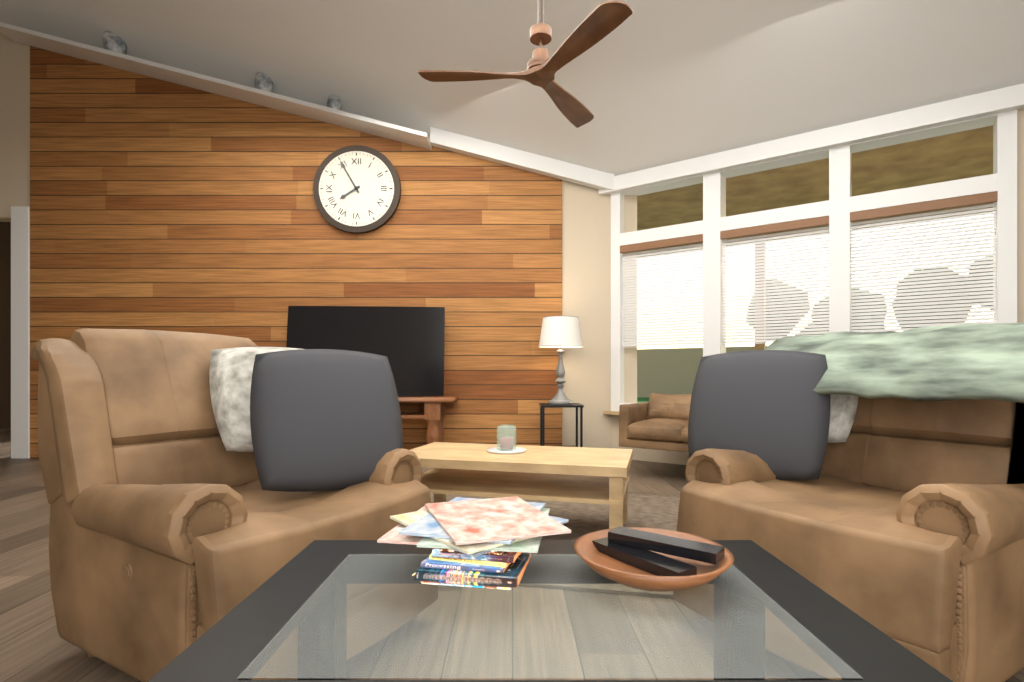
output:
7 h 55 min
